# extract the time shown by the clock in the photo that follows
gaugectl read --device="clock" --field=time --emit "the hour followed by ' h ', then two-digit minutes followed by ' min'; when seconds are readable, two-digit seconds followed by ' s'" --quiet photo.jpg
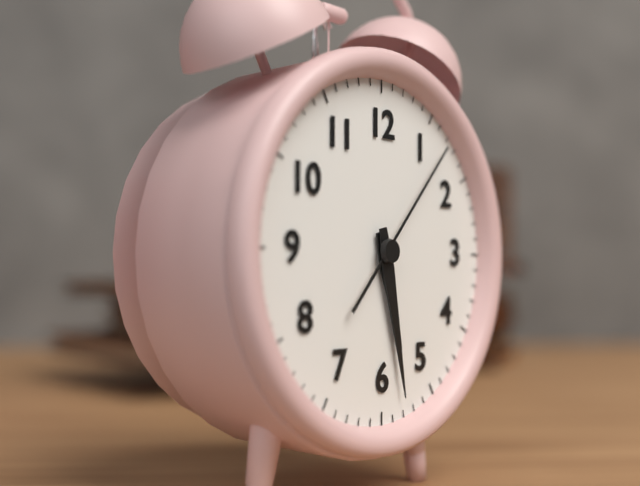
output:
5 h 28 min 07 s
